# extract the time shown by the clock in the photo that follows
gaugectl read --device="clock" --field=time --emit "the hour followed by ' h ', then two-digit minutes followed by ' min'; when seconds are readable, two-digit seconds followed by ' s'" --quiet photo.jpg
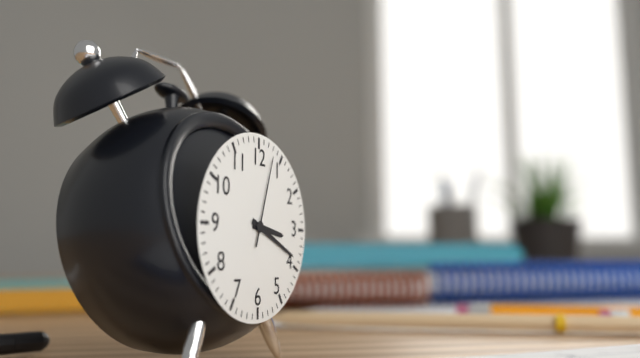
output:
3 h 19 min 03 s
